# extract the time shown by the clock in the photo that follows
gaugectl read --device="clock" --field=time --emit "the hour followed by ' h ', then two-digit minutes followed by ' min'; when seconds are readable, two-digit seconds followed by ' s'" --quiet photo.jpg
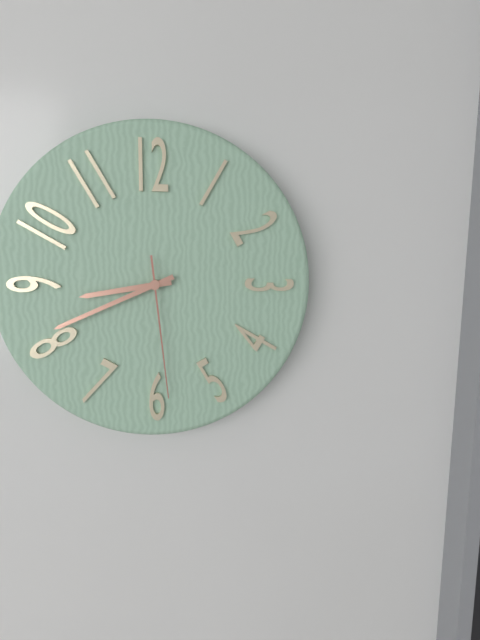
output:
8 h 41 min 29 s
